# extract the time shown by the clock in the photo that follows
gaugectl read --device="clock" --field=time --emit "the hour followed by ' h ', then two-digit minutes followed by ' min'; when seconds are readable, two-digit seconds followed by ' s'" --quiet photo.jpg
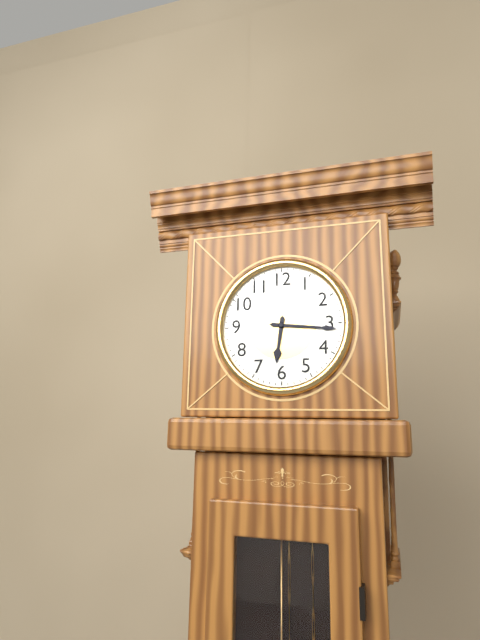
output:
6 h 16 min
